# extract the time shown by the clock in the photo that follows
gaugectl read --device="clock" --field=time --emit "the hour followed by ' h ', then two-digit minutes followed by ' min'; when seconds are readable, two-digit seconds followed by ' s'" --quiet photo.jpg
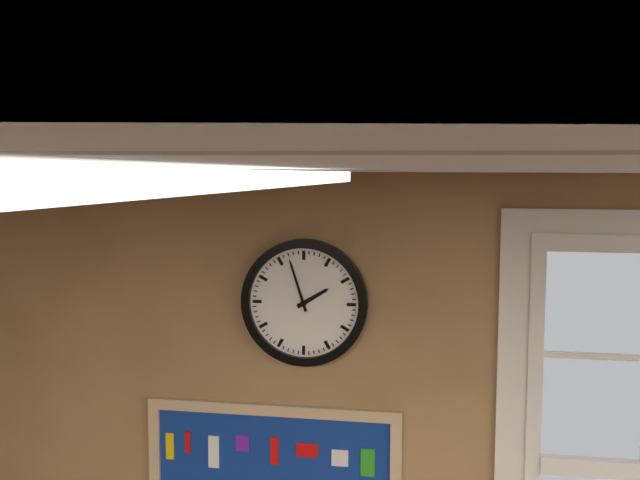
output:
1 h 57 min
